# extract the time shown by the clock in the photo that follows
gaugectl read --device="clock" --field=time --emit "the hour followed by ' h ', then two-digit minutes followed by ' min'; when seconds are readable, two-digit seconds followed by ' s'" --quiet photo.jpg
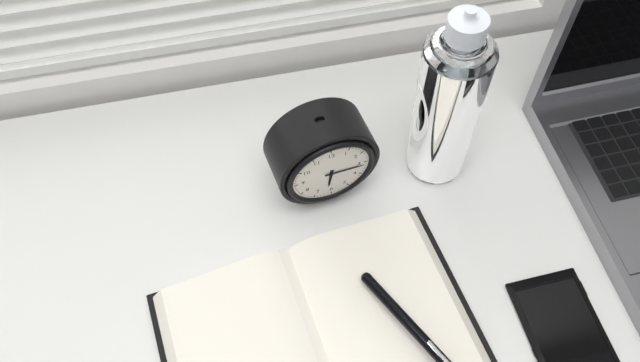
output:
6 h 16 min
